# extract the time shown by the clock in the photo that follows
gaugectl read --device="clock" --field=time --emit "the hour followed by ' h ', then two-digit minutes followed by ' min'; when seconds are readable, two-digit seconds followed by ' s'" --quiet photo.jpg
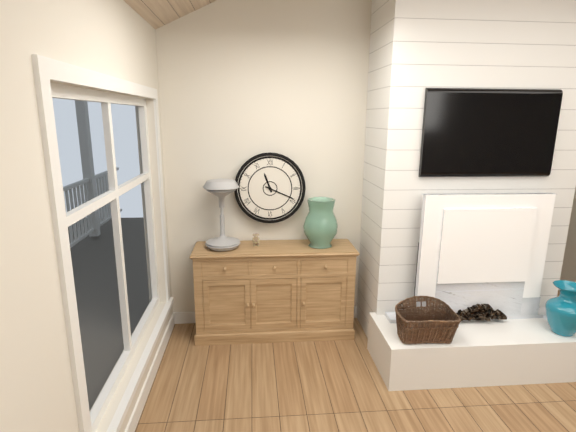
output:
11 h 19 min
